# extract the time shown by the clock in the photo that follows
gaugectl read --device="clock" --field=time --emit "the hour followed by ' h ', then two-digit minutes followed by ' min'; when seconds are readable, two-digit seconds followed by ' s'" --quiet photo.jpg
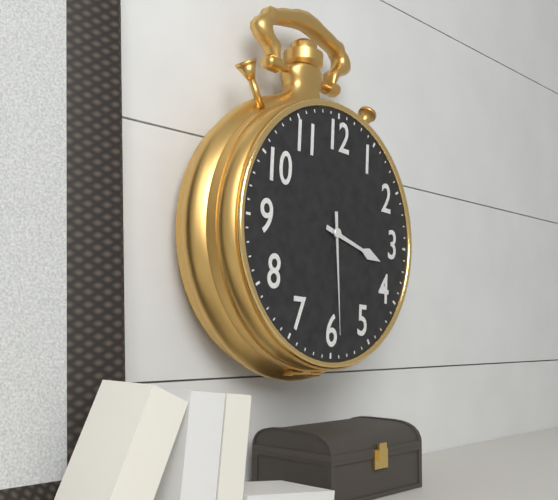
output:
3 h 29 min
